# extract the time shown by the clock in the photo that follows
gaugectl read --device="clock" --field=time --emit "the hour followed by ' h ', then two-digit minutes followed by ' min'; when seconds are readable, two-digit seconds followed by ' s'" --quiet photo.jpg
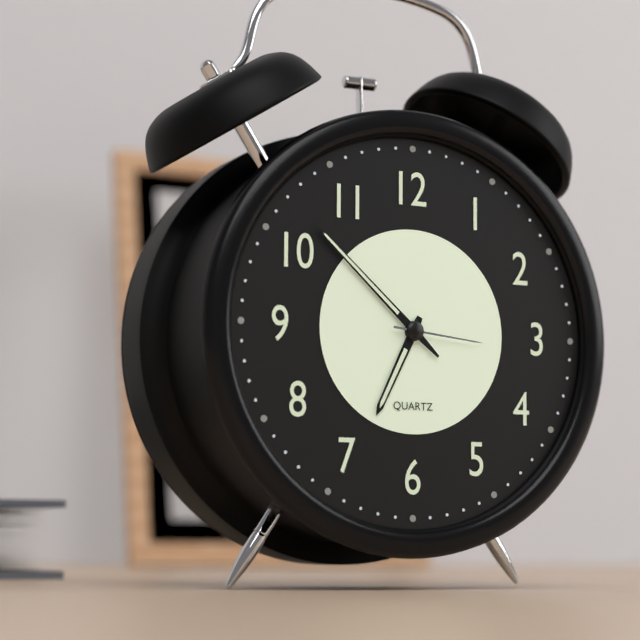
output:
6 h 52 min 16 s
